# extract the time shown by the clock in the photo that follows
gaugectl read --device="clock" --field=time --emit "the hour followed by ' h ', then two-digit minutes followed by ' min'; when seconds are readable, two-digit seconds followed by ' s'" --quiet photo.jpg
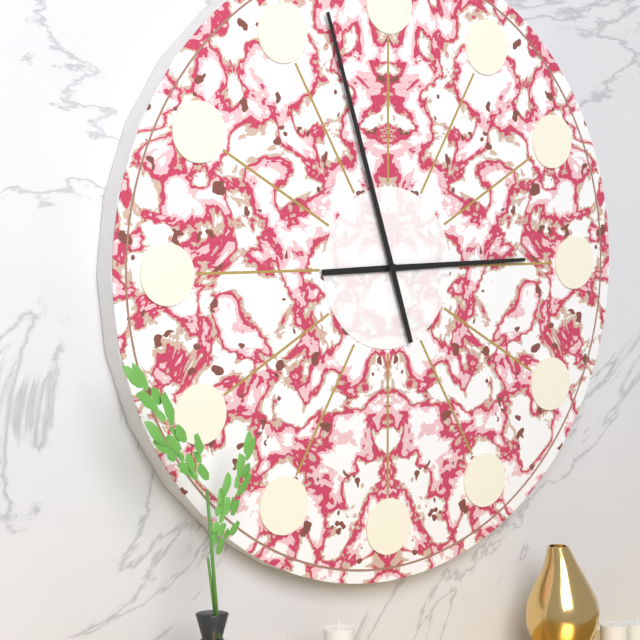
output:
2 h 57 min
